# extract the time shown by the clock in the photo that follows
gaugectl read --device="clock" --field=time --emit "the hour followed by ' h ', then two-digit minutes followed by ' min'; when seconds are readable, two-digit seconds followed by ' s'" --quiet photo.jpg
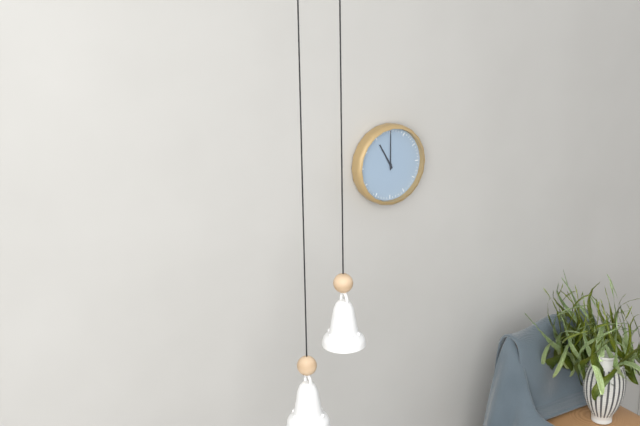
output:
11 h 00 min
